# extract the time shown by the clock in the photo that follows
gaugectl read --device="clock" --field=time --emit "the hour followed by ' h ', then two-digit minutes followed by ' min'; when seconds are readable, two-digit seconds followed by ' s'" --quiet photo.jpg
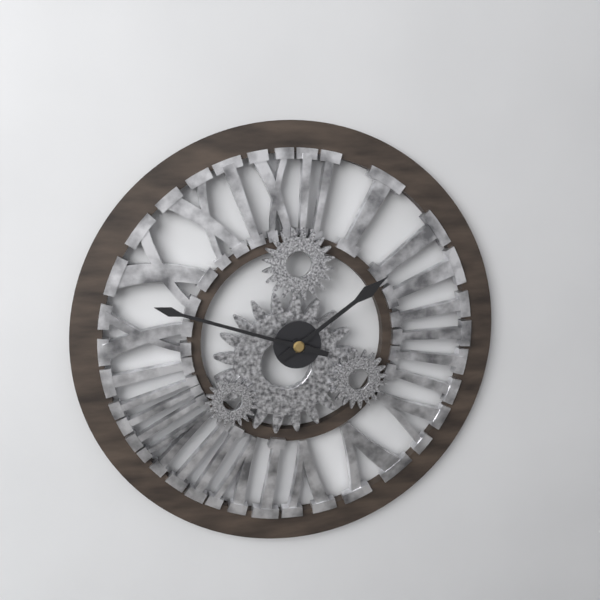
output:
1 h 48 min
